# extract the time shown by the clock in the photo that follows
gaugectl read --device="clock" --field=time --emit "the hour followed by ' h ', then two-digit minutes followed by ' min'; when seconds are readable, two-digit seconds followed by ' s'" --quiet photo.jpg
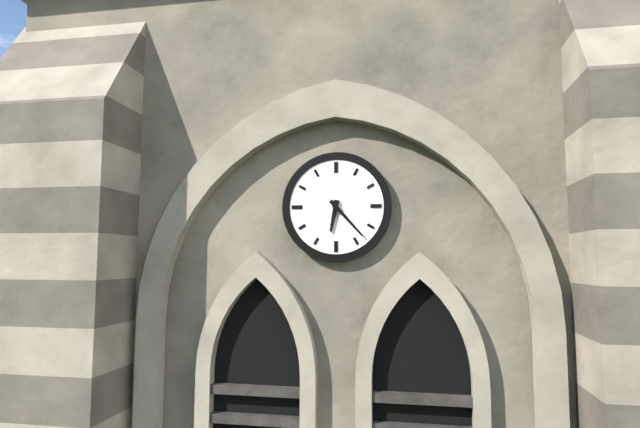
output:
6 h 23 min
